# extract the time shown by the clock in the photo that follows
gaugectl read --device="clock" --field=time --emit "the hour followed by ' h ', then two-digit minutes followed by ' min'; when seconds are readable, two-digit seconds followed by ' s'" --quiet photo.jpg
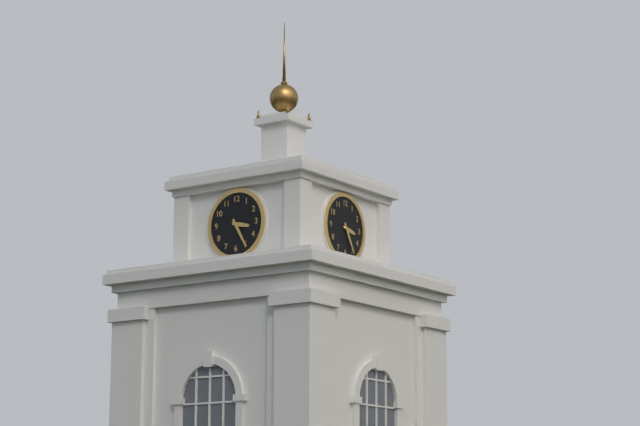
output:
3 h 25 min
